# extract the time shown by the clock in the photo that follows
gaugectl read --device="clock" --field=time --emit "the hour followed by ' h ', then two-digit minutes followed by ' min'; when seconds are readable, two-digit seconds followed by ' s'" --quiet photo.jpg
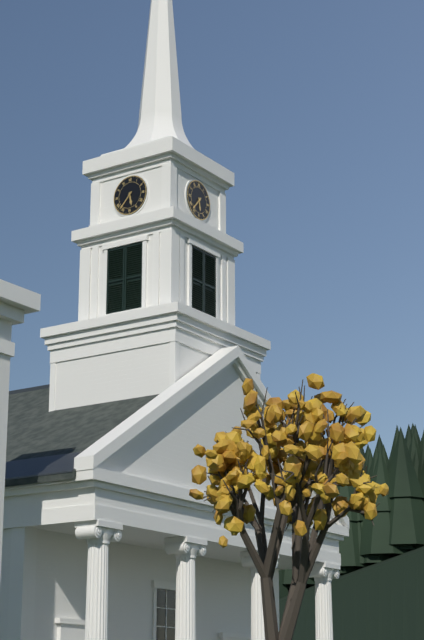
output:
5 h 37 min
